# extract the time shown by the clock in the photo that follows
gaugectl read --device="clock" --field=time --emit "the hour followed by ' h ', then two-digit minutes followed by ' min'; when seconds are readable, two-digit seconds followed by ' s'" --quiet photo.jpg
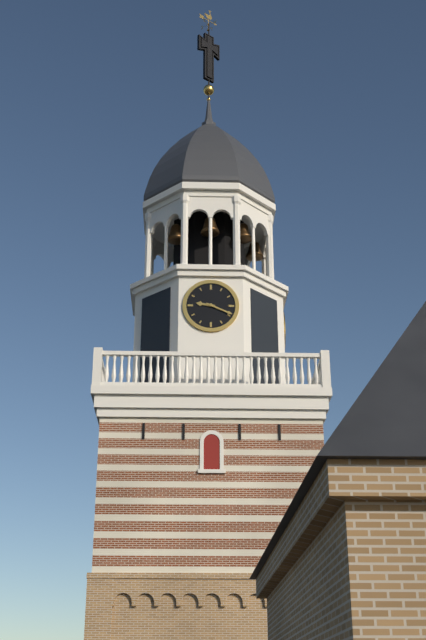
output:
9 h 19 min
